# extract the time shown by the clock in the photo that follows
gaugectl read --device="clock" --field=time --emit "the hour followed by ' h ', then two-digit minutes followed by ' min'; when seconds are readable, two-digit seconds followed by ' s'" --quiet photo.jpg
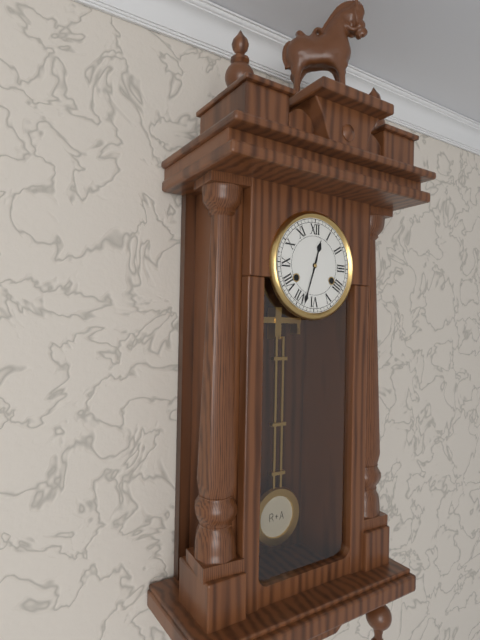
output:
12 h 33 min
